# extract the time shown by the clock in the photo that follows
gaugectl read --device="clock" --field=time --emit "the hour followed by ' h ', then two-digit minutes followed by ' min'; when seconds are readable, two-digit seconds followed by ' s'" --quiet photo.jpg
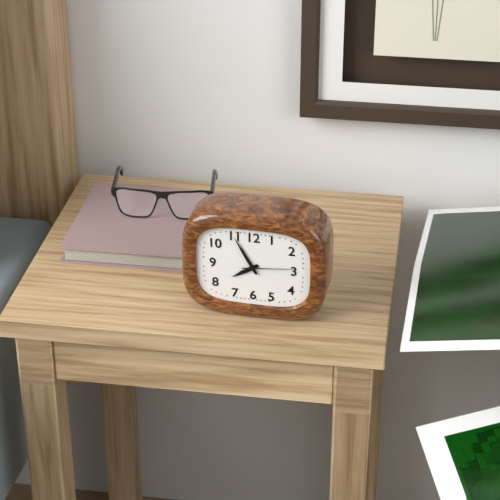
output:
7 h 55 min
